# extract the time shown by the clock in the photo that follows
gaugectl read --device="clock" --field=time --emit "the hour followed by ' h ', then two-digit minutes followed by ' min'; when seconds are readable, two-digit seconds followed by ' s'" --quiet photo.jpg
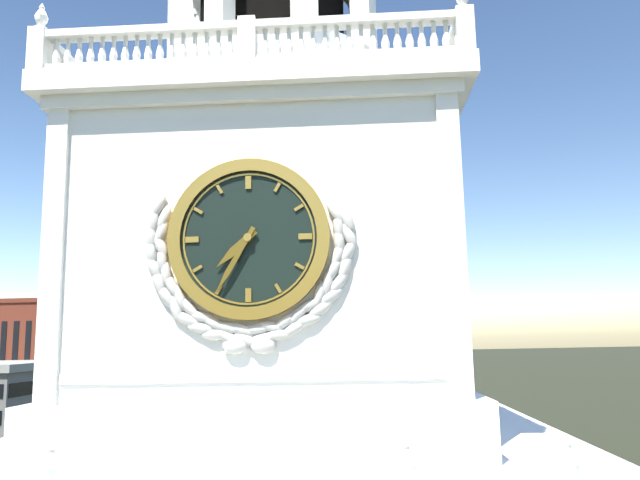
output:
7 h 35 min
